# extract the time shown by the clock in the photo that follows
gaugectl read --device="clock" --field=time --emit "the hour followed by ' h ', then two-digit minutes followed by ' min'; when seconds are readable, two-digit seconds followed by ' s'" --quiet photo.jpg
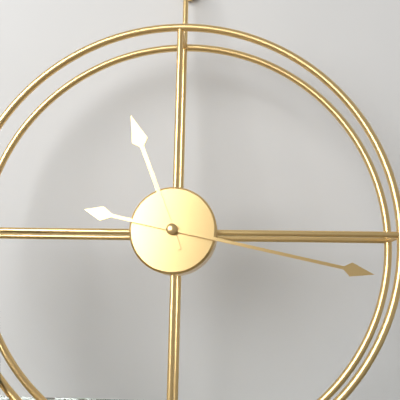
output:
11 h 17 min
